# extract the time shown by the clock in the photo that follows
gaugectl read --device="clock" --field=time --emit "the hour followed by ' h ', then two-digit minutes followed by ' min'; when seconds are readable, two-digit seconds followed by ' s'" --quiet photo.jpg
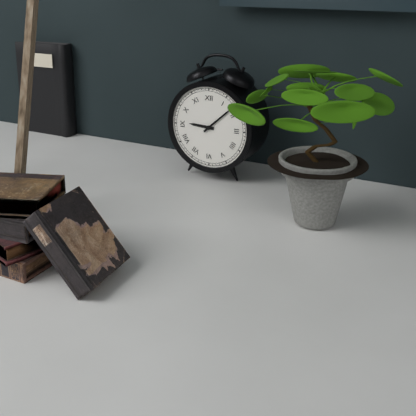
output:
9 h 08 min
